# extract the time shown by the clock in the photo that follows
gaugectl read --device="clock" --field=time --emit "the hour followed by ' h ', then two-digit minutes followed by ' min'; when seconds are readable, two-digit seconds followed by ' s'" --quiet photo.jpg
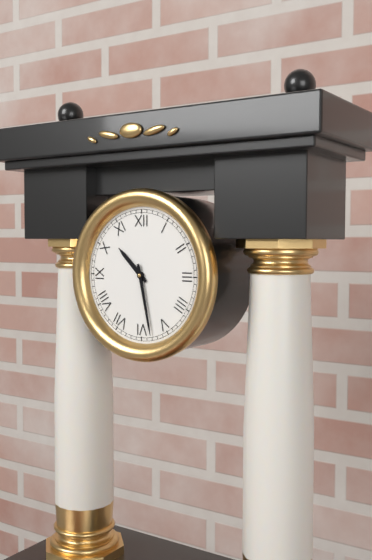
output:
10 h 28 min
